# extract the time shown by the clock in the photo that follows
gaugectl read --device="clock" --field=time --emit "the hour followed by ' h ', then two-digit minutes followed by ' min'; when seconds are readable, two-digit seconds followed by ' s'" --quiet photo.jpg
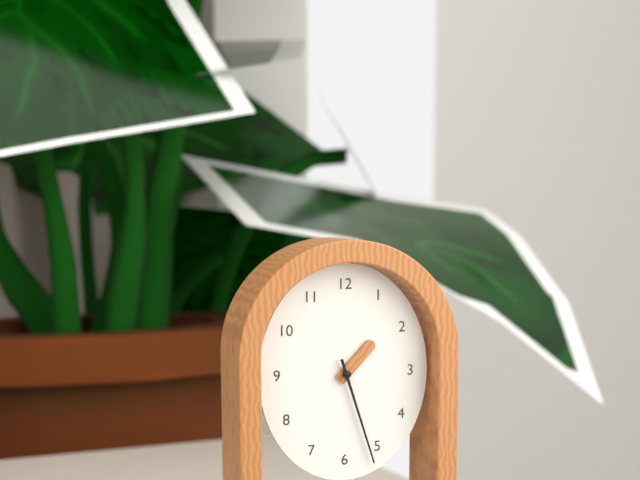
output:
1 h 27 min
